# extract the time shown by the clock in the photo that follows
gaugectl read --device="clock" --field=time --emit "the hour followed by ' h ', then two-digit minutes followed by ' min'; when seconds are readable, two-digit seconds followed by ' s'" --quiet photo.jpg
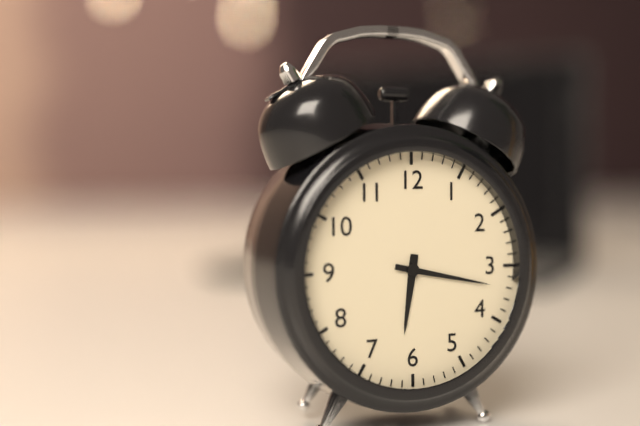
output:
6 h 17 min
